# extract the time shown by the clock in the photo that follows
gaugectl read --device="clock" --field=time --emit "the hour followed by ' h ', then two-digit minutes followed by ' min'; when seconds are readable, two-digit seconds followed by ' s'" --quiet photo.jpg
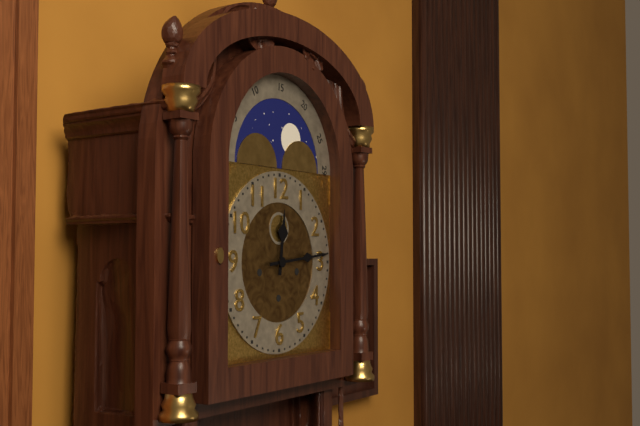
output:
12 h 14 min
